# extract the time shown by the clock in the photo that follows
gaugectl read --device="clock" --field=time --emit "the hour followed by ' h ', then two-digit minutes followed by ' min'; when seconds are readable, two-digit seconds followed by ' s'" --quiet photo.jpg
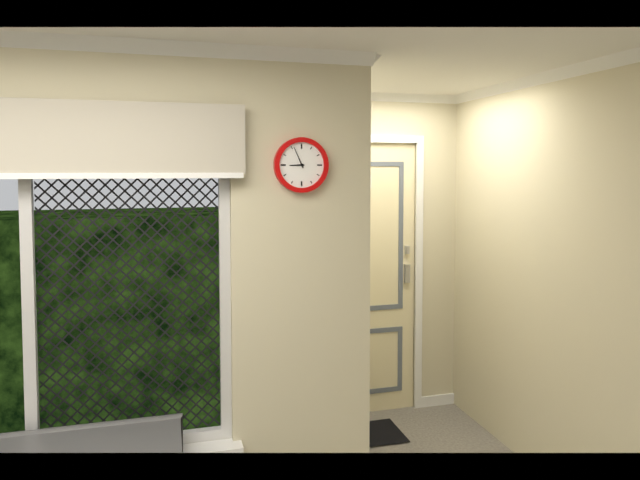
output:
8 h 56 min
